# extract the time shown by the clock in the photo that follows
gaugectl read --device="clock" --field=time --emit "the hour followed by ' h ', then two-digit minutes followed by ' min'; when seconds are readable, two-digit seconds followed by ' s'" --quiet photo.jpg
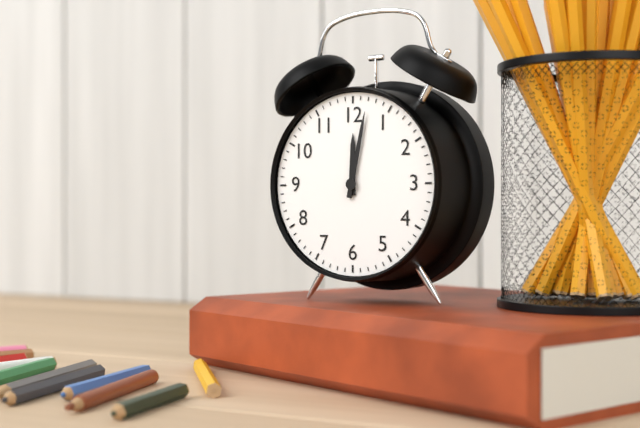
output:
12 h 02 min
